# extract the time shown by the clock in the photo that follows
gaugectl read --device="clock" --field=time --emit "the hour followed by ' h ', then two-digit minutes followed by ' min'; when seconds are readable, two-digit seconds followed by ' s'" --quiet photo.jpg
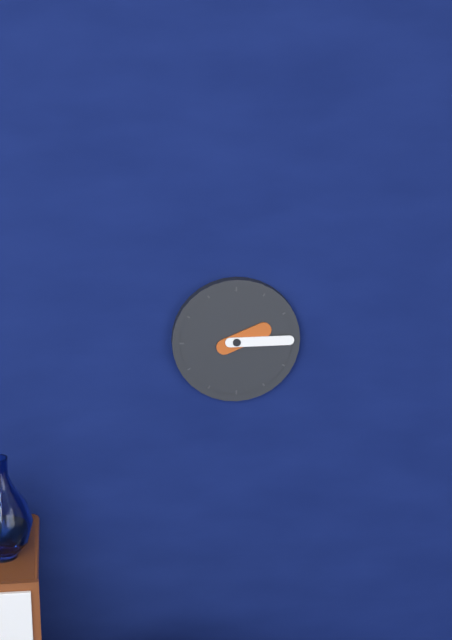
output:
2 h 15 min
